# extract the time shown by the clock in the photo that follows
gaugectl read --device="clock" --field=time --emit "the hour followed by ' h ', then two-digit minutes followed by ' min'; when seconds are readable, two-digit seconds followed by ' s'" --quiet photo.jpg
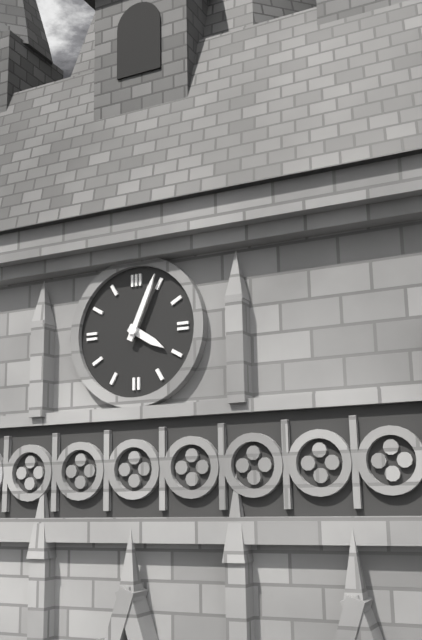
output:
4 h 04 min
